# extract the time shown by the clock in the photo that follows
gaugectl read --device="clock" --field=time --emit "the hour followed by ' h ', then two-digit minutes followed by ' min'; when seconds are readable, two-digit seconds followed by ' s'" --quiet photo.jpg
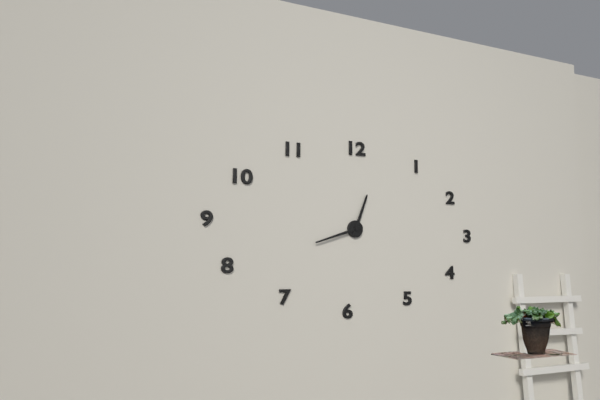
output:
12 h 42 min
